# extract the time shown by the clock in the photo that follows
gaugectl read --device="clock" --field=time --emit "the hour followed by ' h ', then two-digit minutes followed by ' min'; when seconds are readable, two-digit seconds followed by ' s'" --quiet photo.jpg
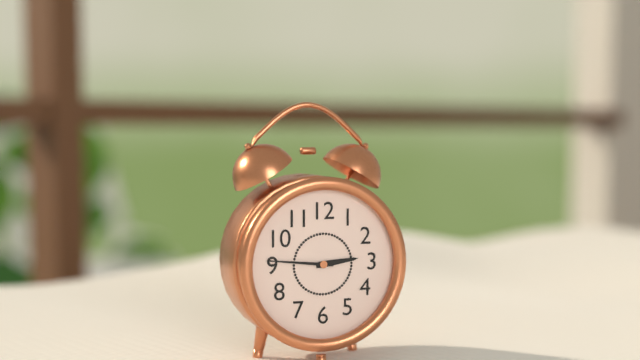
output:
2 h 46 min
